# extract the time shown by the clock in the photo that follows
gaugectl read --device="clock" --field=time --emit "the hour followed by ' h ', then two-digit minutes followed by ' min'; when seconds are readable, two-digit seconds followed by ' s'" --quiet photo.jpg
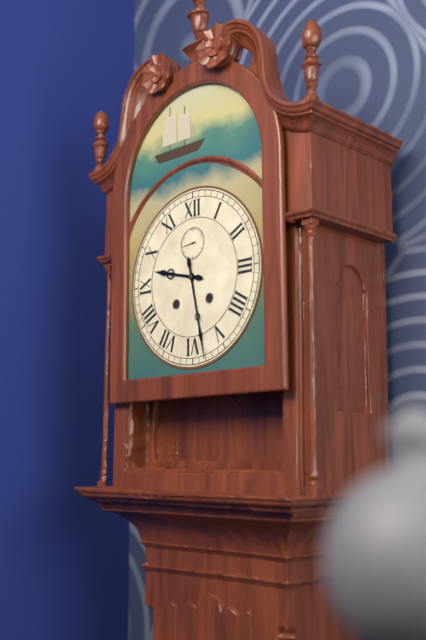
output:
9 h 28 min
